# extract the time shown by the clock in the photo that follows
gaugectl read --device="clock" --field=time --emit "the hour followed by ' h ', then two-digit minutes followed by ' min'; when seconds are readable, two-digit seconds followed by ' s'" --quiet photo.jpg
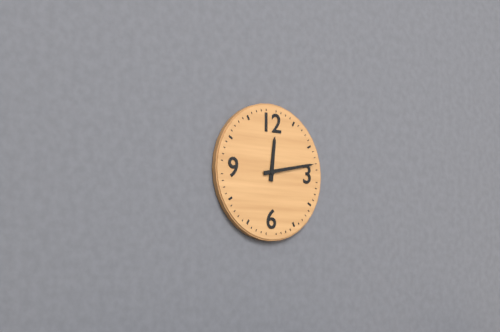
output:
12 h 13 min
